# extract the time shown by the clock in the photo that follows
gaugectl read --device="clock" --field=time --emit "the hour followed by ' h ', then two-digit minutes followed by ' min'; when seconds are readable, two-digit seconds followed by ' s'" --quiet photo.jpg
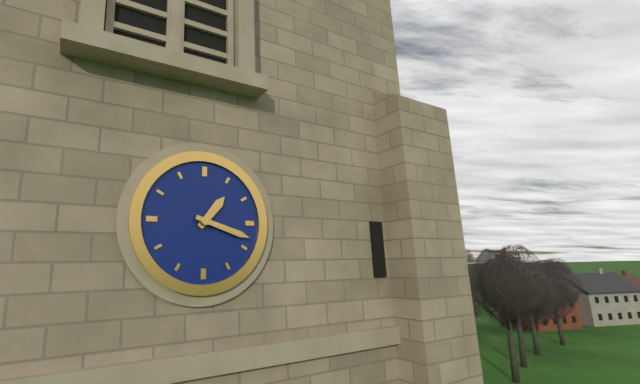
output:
1 h 18 min
